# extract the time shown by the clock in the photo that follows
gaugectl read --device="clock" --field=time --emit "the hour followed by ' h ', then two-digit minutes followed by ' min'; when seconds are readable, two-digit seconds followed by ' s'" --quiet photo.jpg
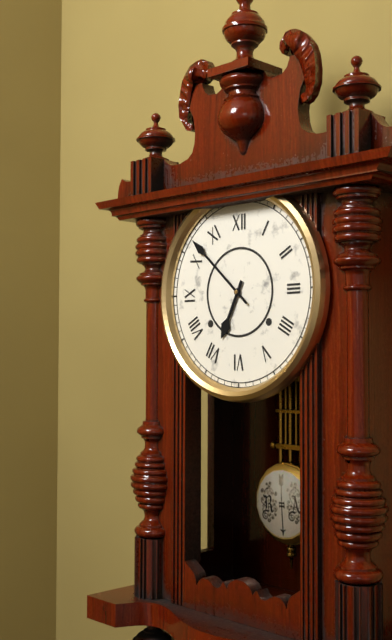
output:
6 h 52 min
